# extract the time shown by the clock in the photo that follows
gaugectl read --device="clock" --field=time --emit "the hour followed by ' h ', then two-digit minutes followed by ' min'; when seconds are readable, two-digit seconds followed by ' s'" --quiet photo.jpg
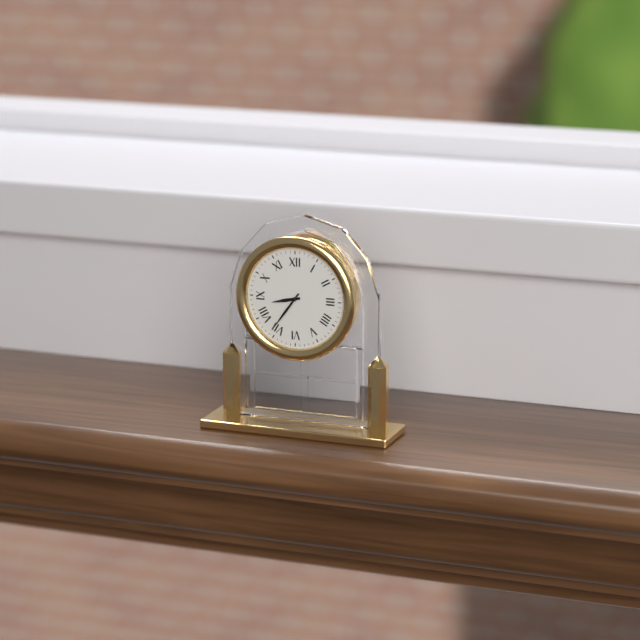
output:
8 h 36 min
